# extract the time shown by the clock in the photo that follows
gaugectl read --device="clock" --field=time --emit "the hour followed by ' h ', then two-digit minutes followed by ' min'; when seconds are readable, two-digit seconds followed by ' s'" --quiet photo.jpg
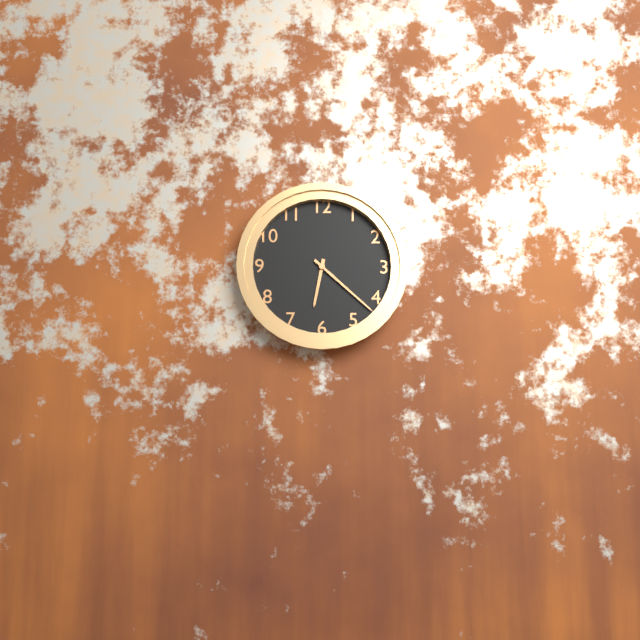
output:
6 h 22 min
